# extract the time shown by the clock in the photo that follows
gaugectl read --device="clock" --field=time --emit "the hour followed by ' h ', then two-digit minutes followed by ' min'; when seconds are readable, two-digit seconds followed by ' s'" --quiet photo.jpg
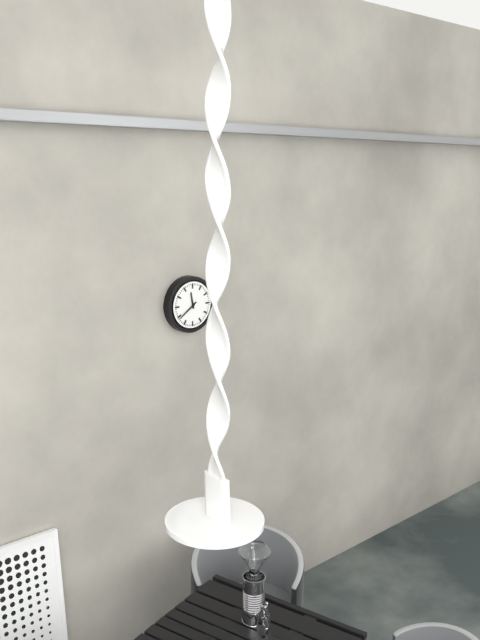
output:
11 h 39 min
